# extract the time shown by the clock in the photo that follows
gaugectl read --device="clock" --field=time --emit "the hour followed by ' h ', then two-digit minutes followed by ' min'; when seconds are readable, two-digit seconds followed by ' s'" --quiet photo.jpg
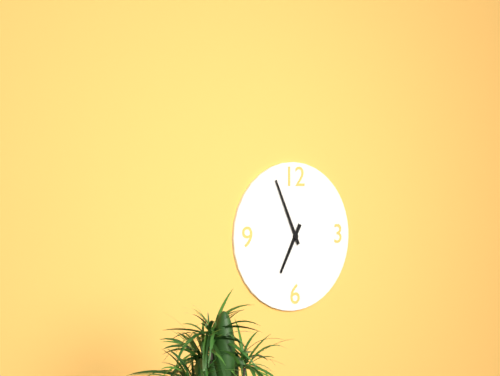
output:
6 h 56 min
